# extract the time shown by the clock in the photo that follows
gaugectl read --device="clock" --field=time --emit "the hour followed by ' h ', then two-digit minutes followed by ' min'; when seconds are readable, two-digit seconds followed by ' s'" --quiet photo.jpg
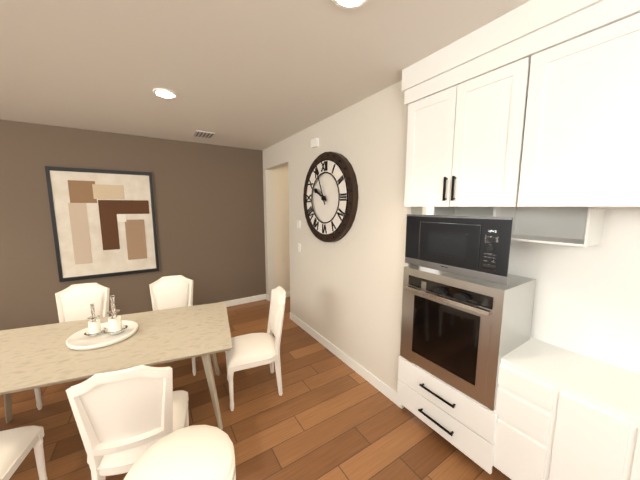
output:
9 h 56 min
